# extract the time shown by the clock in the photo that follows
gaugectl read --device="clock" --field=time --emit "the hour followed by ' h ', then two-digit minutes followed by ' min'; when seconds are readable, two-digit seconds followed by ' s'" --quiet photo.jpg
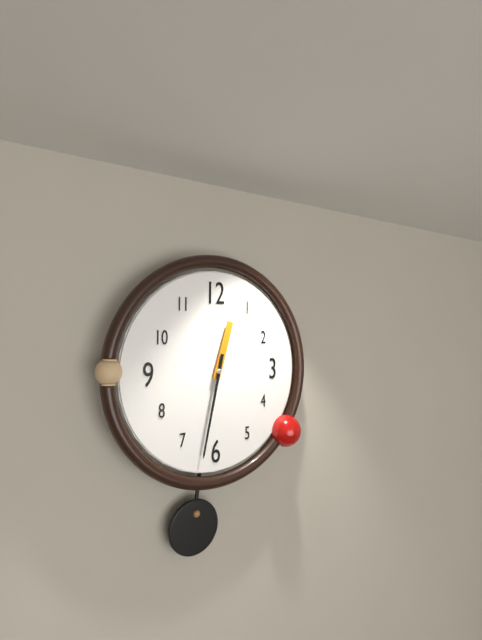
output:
12 h 32 min
